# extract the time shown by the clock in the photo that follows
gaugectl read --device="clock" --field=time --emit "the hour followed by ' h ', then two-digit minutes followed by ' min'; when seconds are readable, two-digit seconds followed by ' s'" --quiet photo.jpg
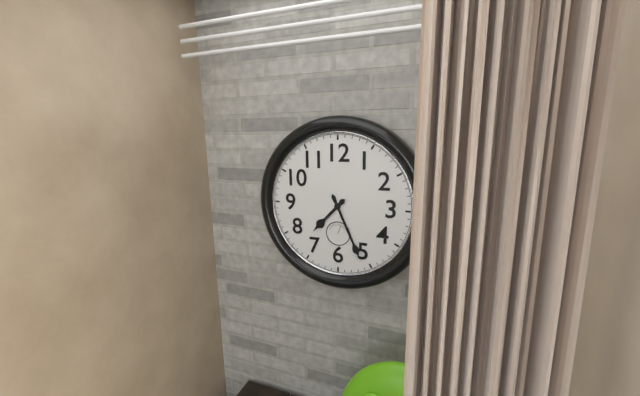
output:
7 h 26 min
